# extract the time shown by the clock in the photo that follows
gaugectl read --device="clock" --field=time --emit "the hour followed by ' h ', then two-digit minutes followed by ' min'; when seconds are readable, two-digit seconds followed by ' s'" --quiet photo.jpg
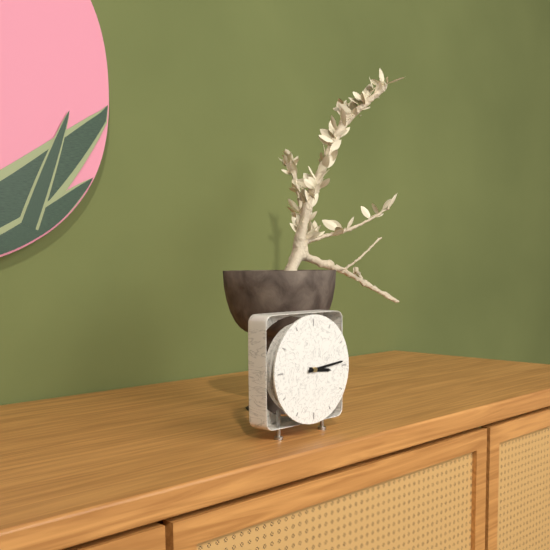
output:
3 h 14 min
